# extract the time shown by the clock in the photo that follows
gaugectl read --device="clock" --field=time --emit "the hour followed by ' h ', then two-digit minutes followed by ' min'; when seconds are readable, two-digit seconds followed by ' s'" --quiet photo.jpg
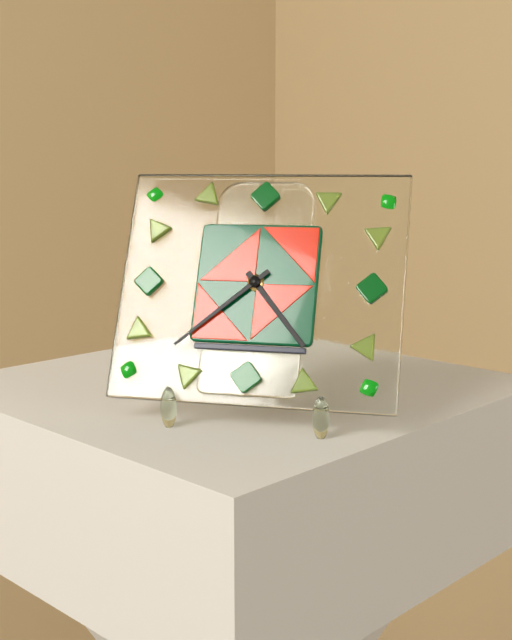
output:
4 h 38 min
